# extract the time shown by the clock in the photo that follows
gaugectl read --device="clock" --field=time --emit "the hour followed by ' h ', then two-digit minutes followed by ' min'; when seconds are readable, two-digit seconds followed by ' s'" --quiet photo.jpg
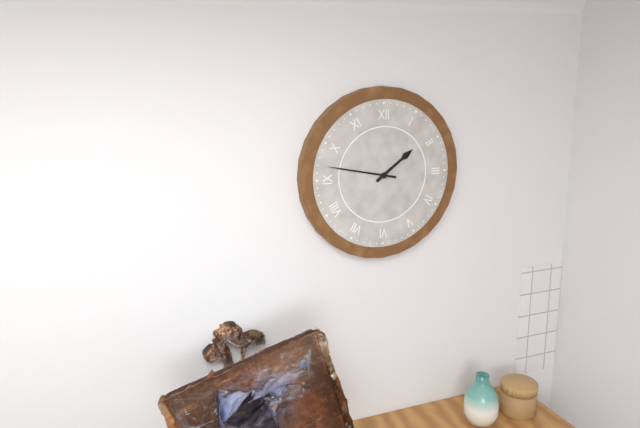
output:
1 h 47 min
